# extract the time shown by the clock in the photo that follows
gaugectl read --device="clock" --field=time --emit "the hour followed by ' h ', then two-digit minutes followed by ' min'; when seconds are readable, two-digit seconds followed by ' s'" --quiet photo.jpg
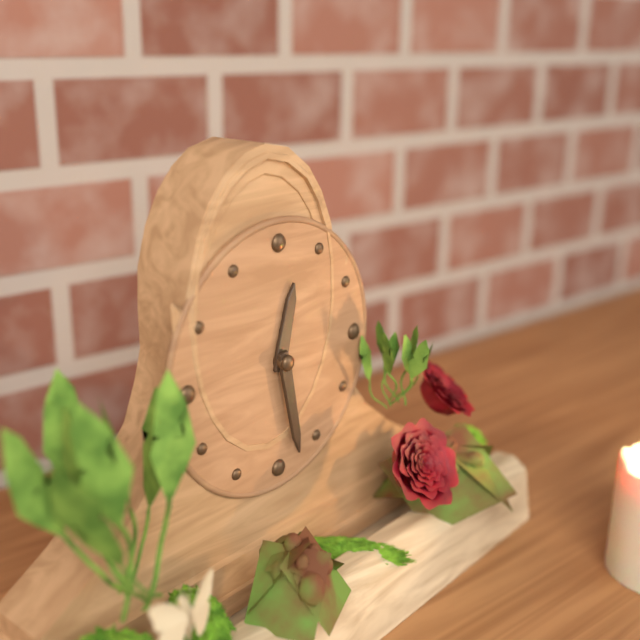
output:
12 h 28 min
